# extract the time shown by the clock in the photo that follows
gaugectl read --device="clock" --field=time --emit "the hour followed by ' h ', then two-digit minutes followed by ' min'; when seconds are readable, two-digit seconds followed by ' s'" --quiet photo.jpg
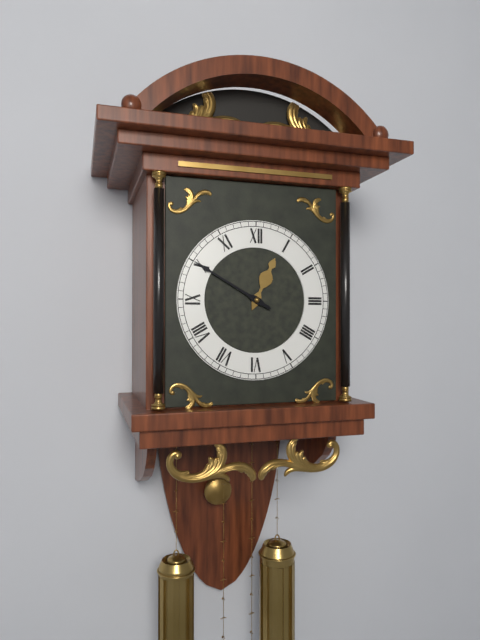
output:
12 h 50 min
